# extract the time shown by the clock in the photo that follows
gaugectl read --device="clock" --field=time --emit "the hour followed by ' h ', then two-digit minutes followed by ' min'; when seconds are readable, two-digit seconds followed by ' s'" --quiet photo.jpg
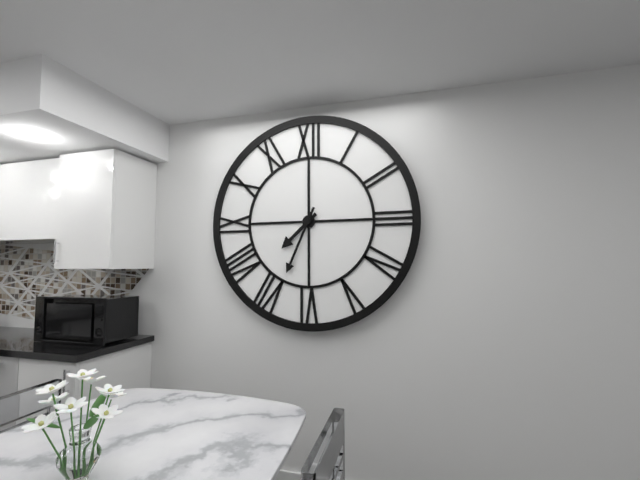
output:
7 h 34 min
